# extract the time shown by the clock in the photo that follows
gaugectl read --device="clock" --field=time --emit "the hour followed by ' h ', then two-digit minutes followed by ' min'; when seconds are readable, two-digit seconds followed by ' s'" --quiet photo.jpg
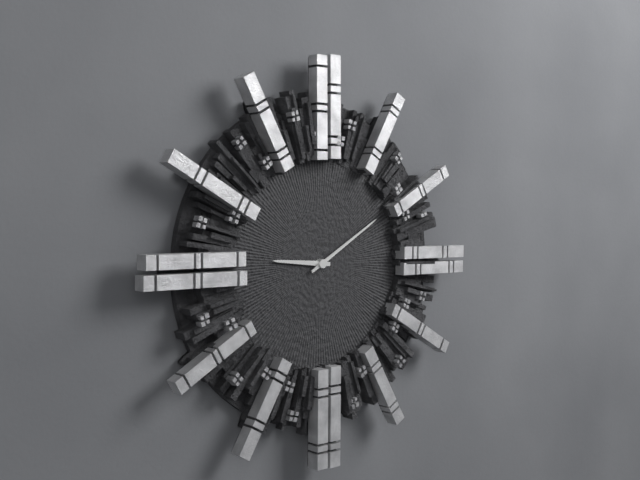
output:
9 h 10 min
